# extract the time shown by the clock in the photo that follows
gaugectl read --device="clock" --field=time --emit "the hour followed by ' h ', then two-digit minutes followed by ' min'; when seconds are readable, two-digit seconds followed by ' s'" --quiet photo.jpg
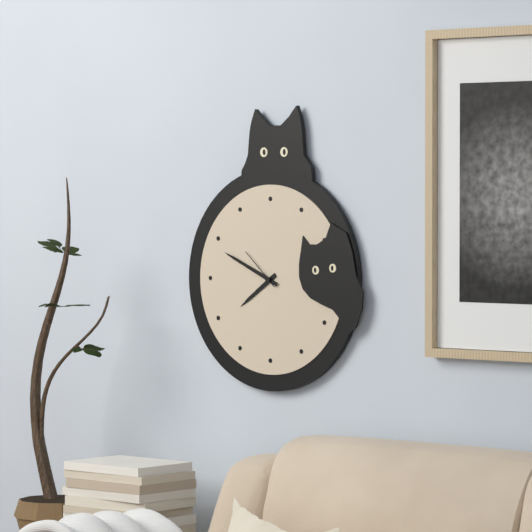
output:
7 h 49 min
